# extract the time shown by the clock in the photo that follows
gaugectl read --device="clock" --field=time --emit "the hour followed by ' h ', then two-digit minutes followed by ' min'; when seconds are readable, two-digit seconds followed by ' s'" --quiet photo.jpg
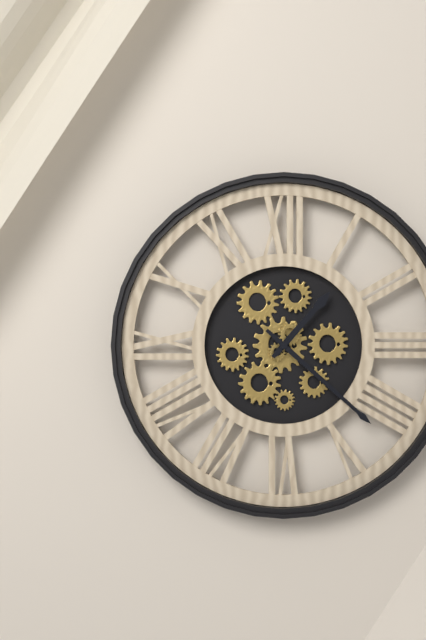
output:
1 h 22 min
